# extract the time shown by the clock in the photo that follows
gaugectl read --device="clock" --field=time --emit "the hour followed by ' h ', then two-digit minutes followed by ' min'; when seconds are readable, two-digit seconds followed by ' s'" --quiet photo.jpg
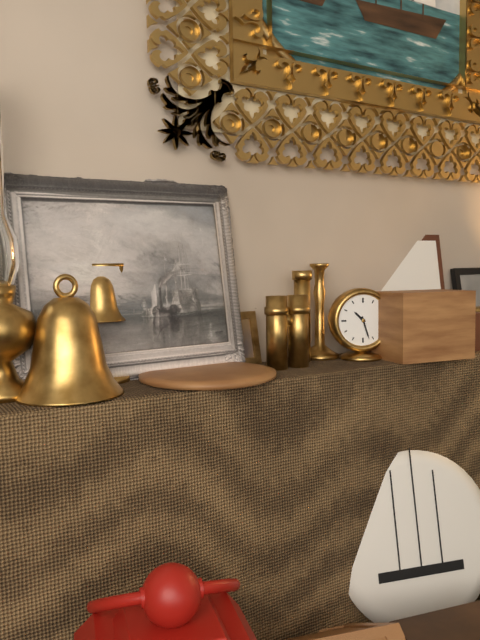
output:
10 h 27 min
